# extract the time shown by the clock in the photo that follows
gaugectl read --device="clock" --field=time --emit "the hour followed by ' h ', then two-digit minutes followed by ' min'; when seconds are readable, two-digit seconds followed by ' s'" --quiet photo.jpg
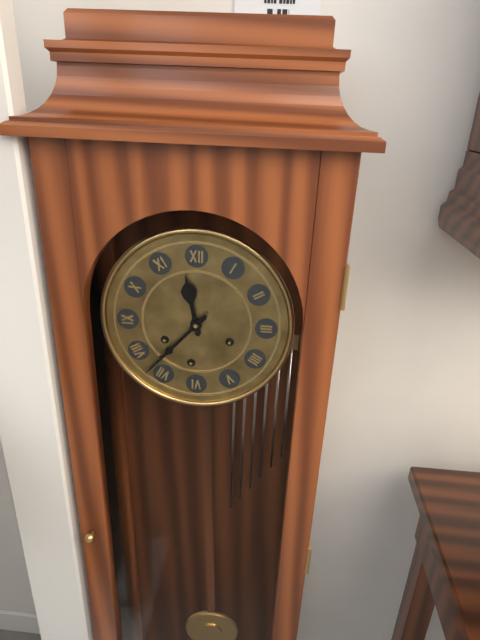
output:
11 h 37 min
